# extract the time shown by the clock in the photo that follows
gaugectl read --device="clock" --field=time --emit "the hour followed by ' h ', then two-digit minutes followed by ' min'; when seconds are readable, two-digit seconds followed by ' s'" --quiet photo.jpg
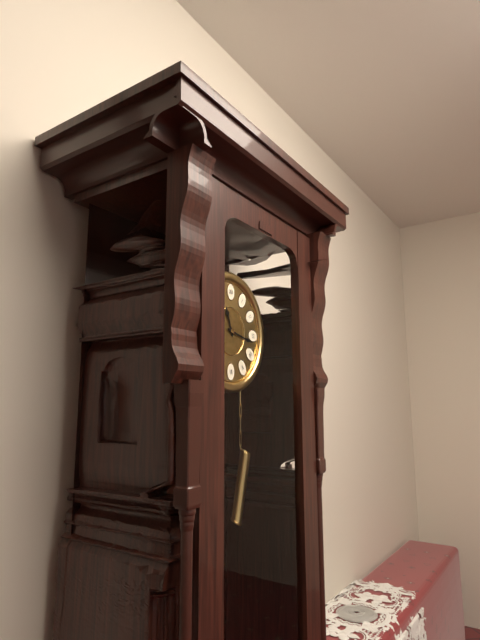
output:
11 h 17 min
